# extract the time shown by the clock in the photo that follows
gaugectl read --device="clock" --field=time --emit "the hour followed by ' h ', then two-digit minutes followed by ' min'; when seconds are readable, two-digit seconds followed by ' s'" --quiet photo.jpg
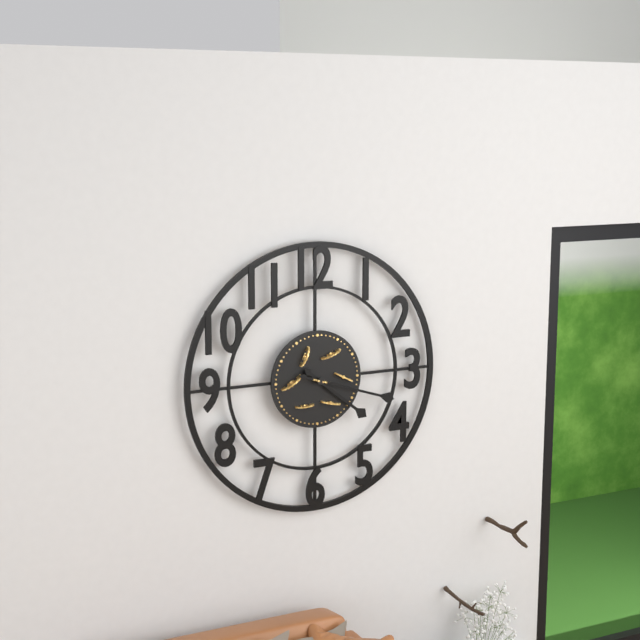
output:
4 h 18 min
